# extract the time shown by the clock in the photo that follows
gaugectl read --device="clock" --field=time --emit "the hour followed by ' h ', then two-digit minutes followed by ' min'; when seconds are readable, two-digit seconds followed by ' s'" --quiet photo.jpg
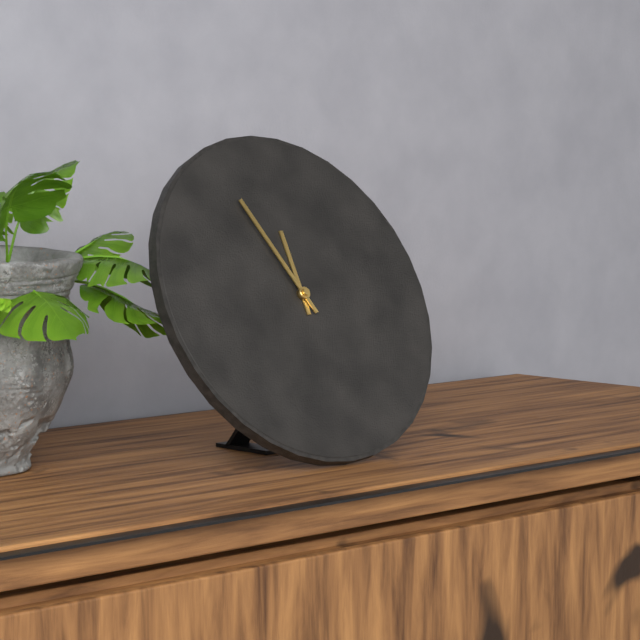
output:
11 h 56 min
